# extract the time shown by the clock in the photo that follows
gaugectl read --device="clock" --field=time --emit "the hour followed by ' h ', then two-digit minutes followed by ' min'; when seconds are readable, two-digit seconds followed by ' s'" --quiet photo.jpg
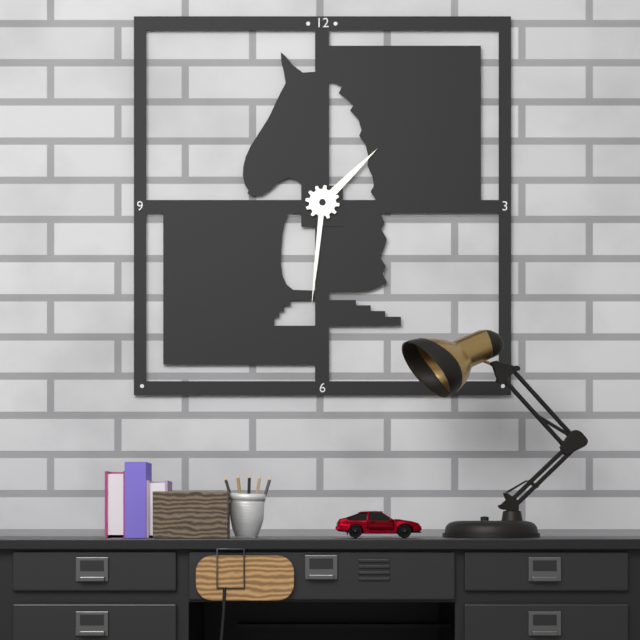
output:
1 h 31 min
